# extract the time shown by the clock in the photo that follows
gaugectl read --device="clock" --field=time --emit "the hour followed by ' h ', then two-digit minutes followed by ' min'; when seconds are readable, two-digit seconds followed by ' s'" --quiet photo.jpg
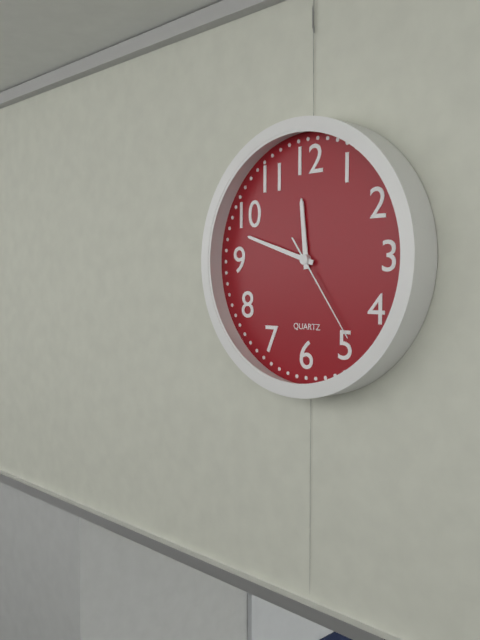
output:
11 h 48 min 24 s
